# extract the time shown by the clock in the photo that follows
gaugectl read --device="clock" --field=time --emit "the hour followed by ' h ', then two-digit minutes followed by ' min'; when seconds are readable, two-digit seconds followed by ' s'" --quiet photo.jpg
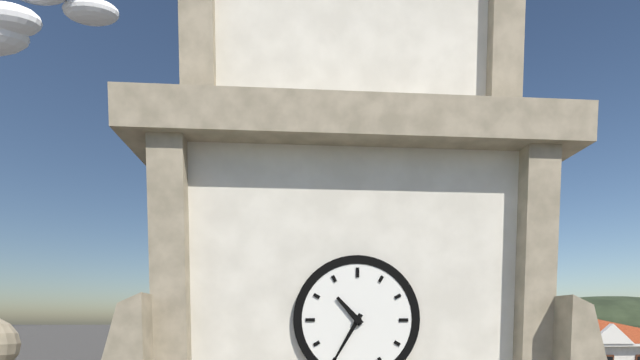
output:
10 h 35 min
